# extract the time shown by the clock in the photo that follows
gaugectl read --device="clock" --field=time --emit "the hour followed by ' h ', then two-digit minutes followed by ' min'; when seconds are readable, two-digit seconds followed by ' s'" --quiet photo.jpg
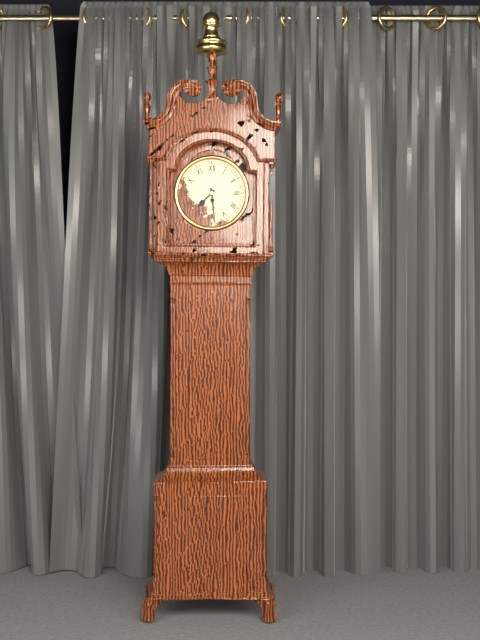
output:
7 h 29 min
